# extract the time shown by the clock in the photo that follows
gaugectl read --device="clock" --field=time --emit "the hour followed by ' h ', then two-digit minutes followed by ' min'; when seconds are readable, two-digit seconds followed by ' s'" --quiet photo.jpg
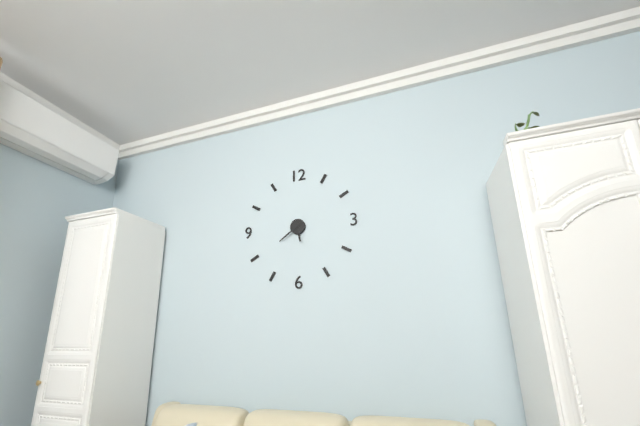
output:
5 h 39 min
